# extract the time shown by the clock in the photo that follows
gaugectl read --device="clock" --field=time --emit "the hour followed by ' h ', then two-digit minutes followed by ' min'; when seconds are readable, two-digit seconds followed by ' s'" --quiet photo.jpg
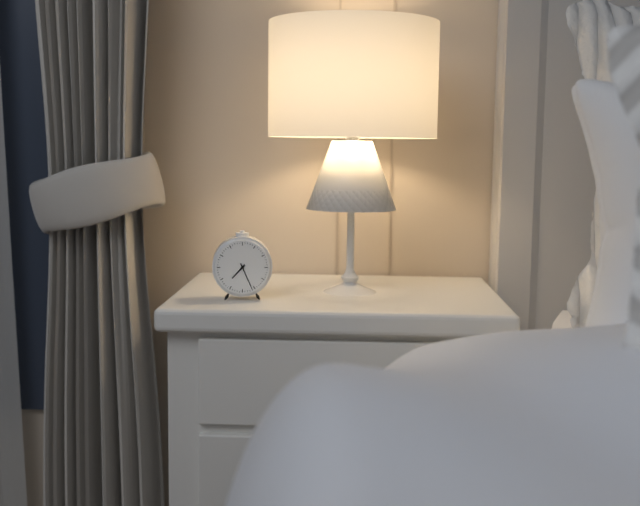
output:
7 h 26 min
